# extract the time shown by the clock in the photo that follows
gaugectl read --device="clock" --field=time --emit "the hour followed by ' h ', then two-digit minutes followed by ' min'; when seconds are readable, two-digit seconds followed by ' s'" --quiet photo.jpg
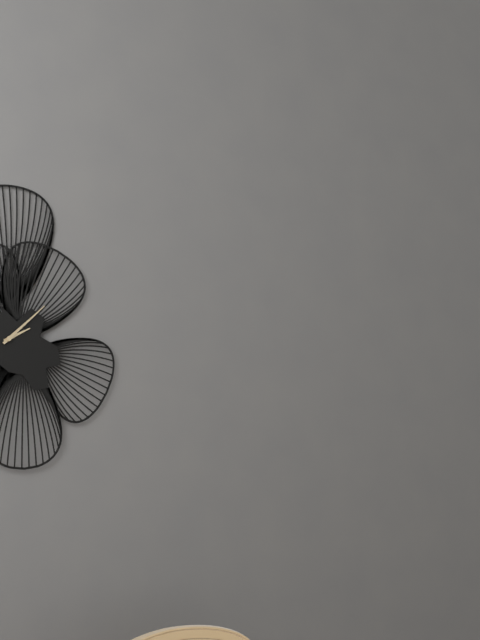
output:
2 h 08 min
